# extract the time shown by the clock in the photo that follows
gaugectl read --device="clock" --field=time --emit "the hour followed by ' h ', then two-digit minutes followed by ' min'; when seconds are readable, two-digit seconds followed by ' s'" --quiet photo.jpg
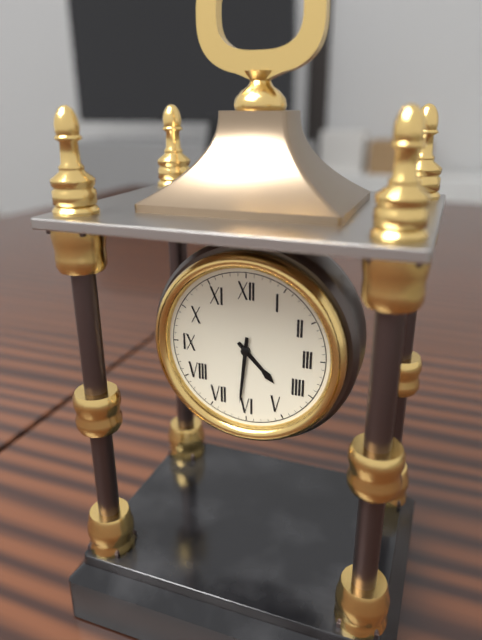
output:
4 h 31 min
